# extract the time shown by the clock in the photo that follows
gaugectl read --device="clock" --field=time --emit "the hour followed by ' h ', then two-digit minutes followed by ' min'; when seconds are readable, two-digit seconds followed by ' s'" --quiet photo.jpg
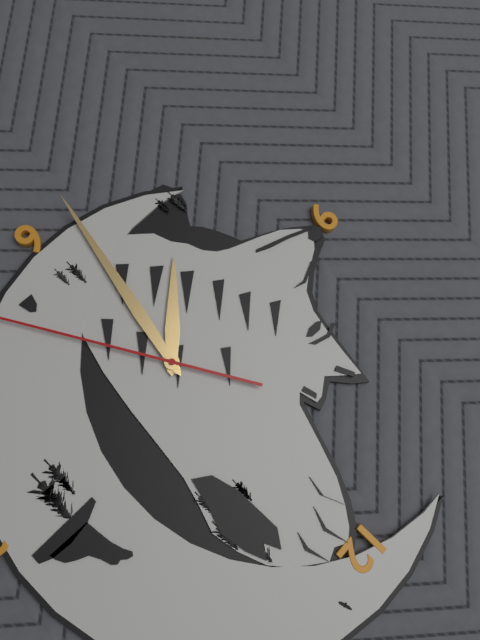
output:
7 h 32 min
